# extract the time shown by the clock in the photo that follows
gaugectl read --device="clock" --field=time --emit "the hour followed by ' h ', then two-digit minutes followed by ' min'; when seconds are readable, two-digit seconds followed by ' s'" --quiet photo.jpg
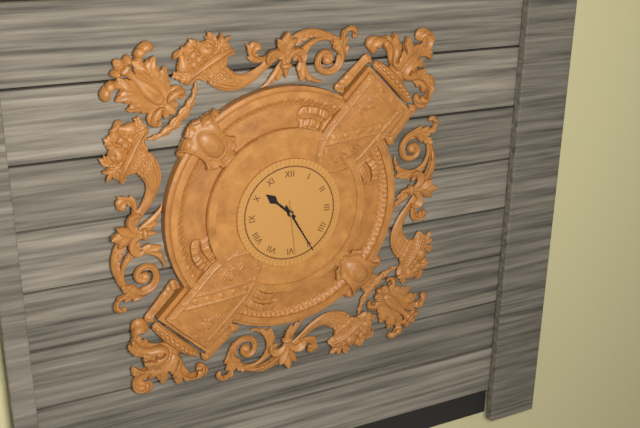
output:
10 h 25 min 29 s
